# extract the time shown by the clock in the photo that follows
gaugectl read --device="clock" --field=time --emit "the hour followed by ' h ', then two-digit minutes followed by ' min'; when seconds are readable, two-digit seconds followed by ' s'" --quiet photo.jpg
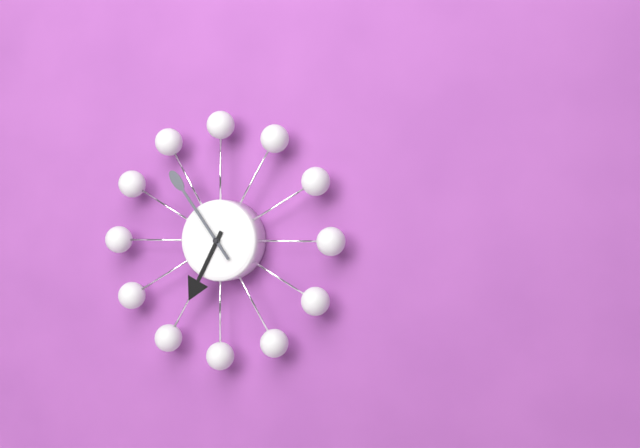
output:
6 h 54 min
